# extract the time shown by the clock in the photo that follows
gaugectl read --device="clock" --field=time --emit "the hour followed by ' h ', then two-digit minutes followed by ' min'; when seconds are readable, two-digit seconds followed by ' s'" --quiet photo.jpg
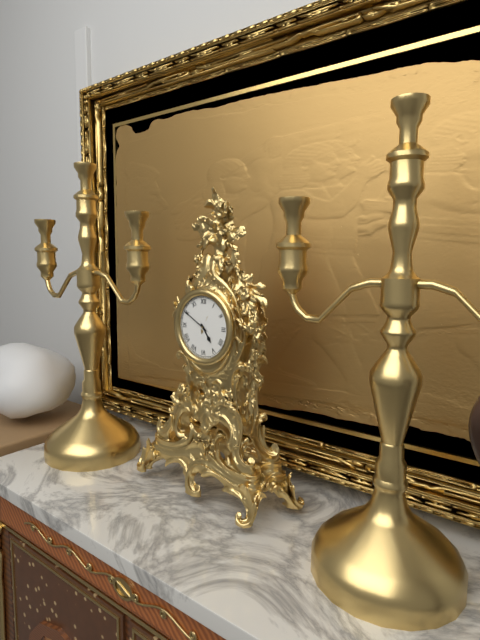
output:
4 h 50 min
